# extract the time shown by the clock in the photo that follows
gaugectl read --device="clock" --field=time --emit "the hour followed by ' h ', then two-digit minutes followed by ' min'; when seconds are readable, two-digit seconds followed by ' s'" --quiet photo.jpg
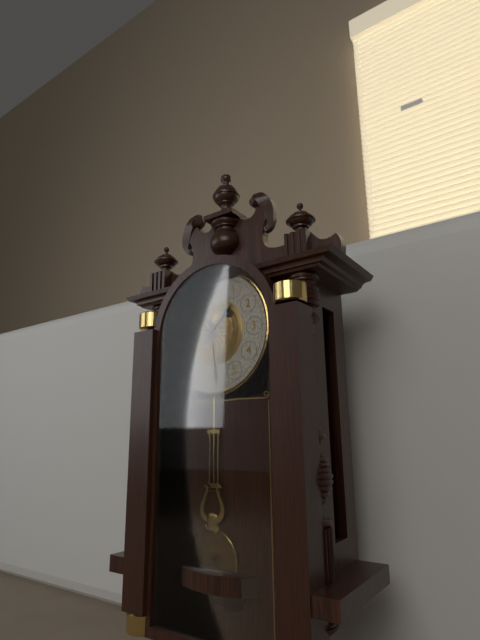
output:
1 h 29 min
